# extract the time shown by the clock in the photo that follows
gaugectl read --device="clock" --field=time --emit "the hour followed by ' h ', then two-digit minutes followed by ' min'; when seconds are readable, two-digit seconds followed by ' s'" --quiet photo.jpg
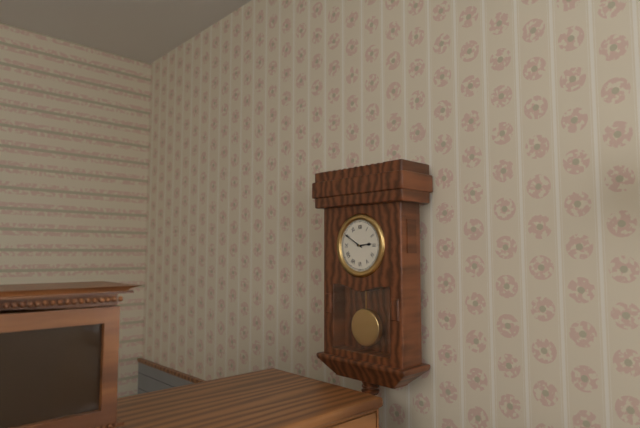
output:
2 h 50 min
